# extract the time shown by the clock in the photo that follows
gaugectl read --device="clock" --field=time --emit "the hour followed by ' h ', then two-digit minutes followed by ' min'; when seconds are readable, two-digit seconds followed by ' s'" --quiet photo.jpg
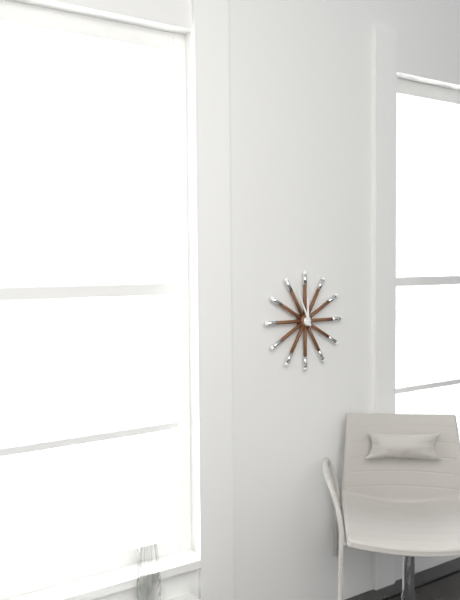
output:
11 h 56 min
